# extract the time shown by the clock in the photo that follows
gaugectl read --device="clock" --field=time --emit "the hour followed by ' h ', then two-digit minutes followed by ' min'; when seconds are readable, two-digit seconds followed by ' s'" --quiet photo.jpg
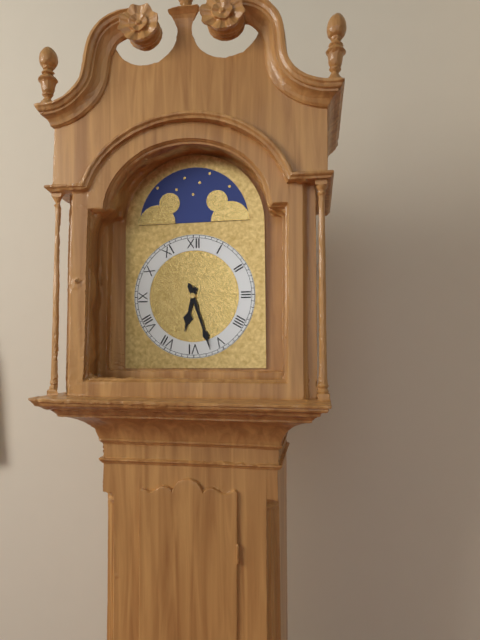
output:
6 h 27 min
